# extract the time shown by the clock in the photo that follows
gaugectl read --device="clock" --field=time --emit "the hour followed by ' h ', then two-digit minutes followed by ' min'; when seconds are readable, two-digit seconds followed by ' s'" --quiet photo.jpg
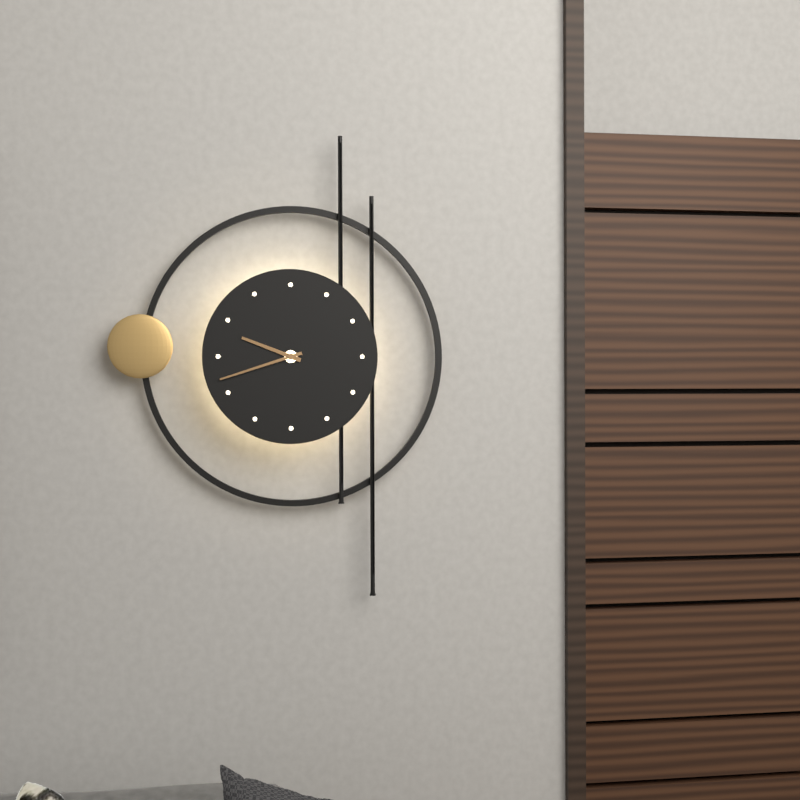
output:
9 h 42 min
